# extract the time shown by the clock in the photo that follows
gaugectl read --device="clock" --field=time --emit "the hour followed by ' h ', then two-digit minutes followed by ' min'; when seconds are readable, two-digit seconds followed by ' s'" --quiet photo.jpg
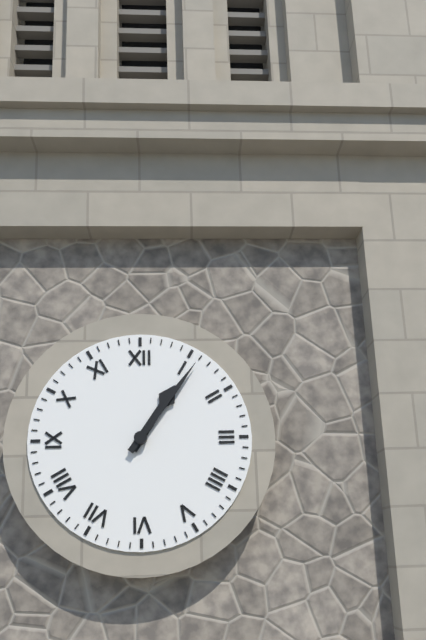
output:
1 h 06 min
